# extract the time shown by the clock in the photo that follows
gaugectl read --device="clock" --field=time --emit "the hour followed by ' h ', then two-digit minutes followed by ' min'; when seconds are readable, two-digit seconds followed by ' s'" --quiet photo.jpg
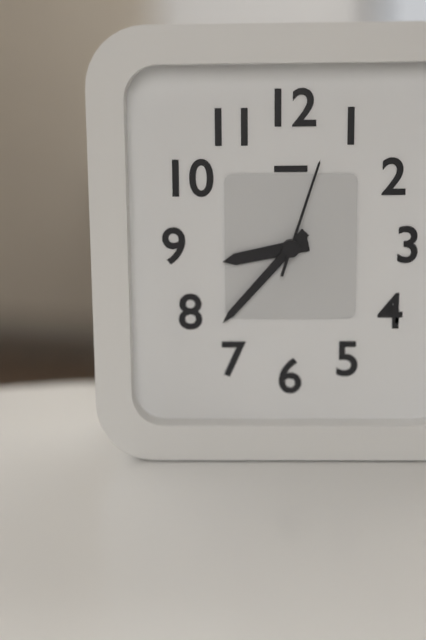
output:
8 h 37 min 03 s
